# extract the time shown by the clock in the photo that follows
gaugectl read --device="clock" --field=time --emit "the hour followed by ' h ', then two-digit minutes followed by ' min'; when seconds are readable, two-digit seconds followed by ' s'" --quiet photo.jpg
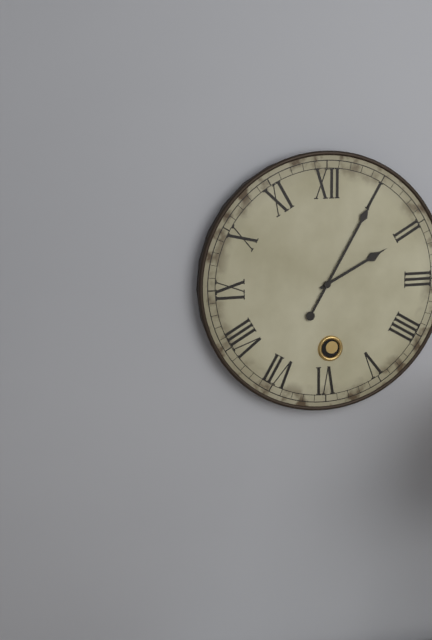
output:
2 h 05 min
